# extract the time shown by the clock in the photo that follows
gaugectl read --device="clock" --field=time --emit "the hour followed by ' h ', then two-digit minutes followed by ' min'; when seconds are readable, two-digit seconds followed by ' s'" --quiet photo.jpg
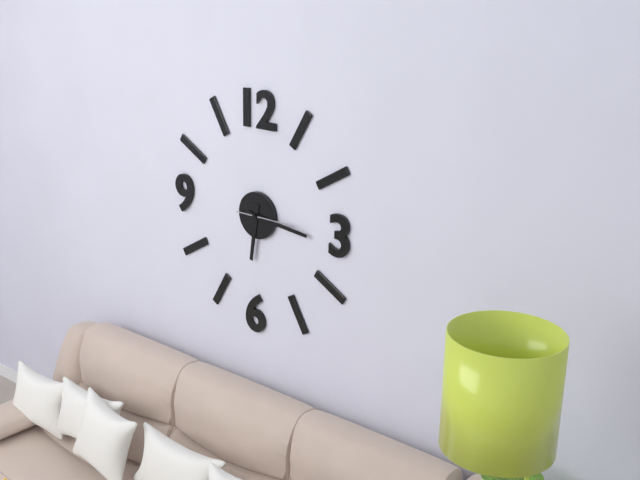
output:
6 h 16 min 15 s
